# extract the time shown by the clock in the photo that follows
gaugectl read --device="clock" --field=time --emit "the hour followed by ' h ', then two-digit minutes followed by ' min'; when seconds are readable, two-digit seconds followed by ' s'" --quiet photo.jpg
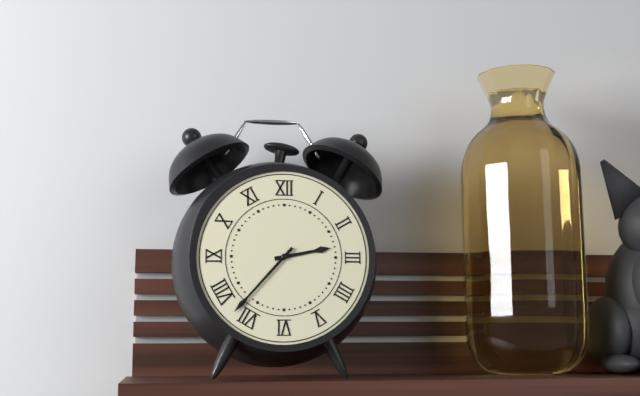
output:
2 h 37 min
